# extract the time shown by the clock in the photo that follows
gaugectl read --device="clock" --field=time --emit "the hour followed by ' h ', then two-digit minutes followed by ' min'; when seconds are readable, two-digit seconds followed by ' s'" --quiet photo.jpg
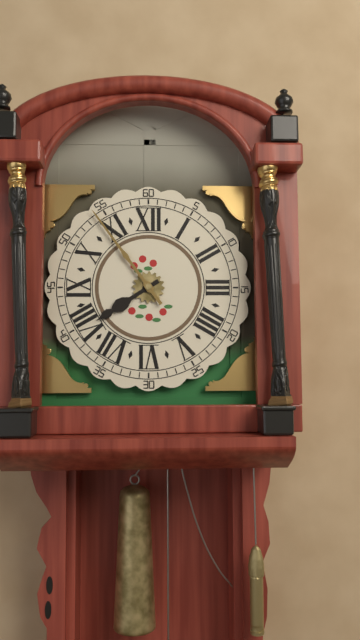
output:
7 h 54 min
